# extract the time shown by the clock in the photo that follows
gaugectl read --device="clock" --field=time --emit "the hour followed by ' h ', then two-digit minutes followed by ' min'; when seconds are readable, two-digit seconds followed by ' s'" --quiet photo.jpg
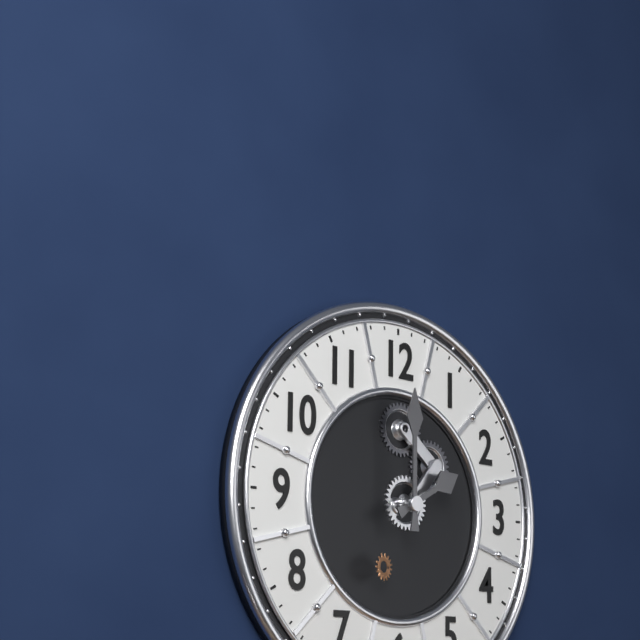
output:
2 h 00 min
